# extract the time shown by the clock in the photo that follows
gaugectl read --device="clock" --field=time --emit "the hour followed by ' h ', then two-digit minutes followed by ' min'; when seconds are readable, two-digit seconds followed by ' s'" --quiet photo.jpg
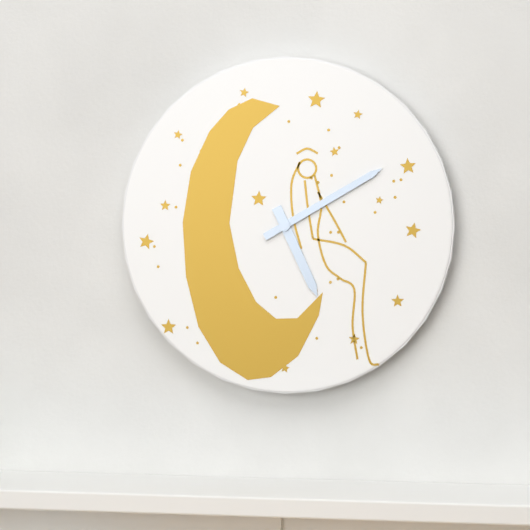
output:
5 h 10 min
